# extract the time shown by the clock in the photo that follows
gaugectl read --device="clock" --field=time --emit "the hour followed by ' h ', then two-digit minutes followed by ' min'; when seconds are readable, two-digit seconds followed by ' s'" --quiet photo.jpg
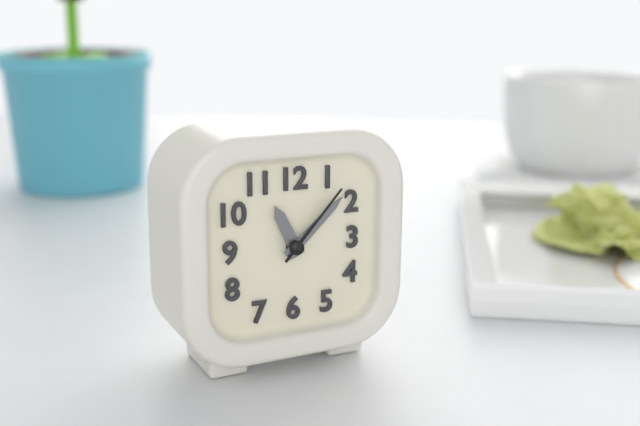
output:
11 h 08 min 07 s
